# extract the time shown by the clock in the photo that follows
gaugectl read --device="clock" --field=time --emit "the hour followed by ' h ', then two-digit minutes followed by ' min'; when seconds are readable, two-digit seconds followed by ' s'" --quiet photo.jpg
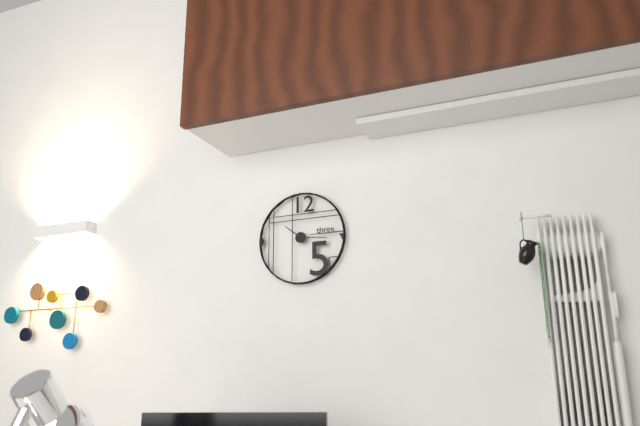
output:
10 h 16 min
